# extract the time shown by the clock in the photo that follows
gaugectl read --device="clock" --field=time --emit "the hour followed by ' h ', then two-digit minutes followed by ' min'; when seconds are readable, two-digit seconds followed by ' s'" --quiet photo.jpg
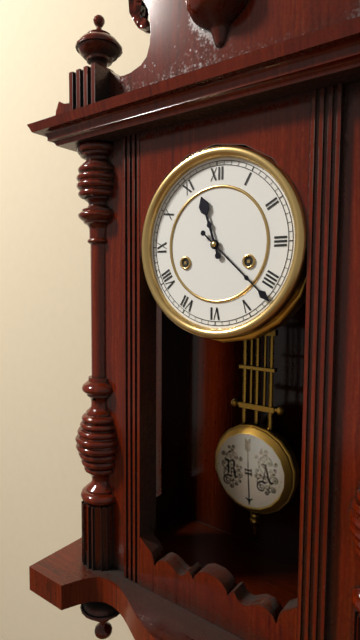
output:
11 h 22 min
